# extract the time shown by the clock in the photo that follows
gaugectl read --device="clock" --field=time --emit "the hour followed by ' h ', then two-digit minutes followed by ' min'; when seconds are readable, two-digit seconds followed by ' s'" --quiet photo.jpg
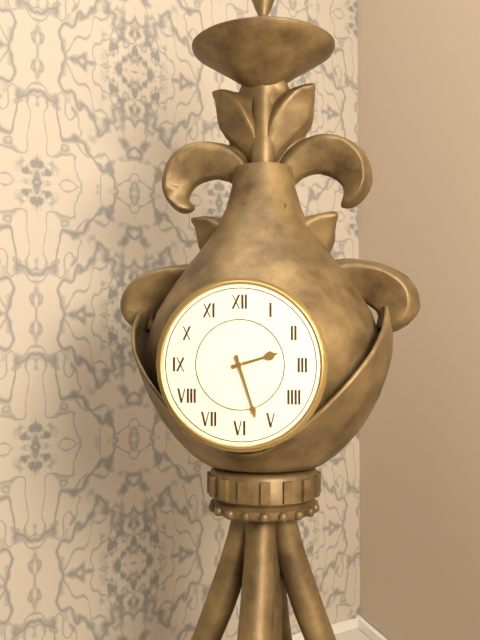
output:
2 h 27 min
